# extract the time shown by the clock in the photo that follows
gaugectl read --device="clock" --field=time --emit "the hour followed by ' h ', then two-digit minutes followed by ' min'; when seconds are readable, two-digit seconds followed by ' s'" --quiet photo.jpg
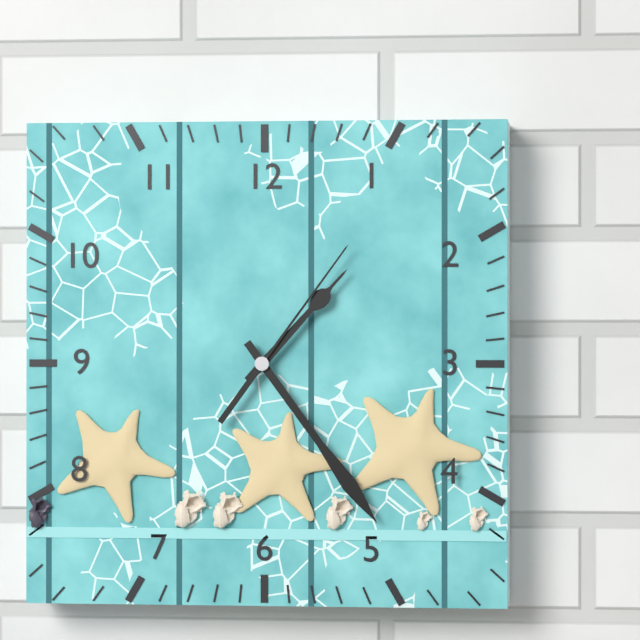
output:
1 h 24 min 06 s
